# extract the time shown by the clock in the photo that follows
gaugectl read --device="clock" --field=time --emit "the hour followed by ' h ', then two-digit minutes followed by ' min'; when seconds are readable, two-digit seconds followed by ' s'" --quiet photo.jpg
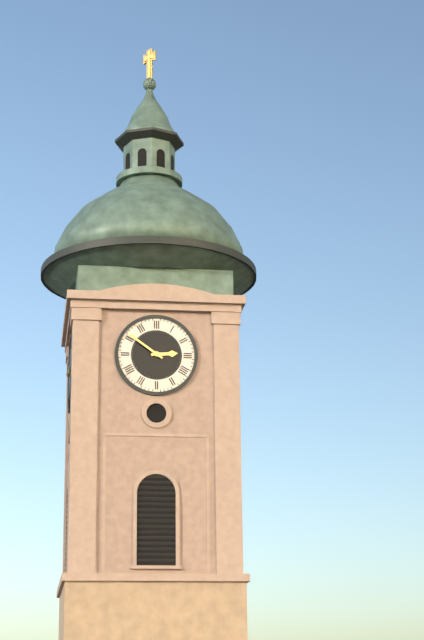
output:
2 h 51 min
